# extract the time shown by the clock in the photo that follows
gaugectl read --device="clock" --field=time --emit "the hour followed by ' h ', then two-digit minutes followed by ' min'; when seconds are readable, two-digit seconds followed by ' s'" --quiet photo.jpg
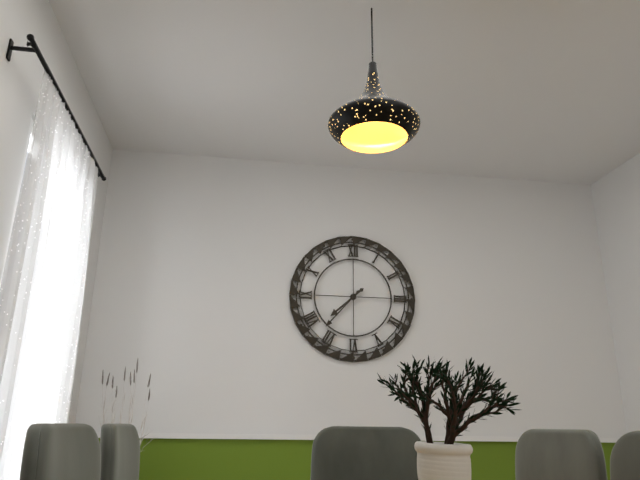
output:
7 h 37 min
